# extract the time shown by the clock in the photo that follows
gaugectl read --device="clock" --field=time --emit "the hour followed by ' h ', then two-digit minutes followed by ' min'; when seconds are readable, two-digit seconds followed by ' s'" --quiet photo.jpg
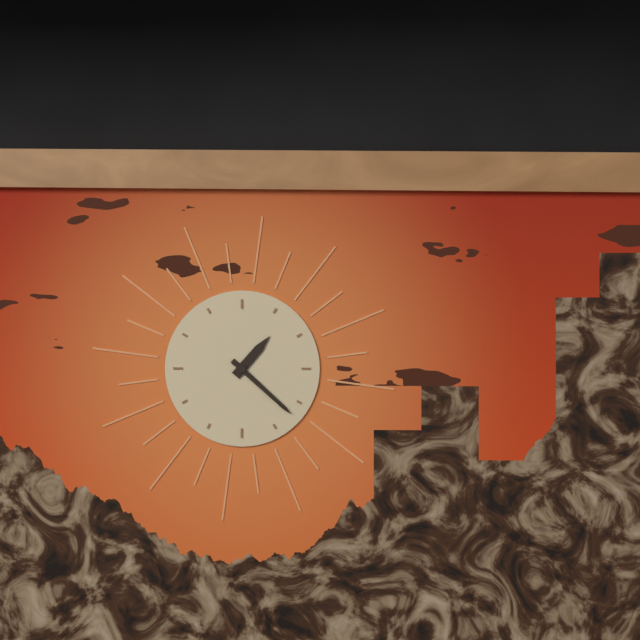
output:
1 h 22 min
